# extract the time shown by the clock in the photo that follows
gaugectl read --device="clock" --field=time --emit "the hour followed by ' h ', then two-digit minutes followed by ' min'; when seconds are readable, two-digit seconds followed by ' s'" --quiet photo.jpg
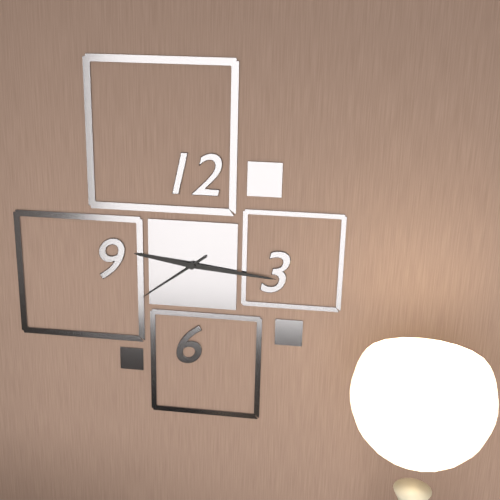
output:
9 h 16 min 39 s
